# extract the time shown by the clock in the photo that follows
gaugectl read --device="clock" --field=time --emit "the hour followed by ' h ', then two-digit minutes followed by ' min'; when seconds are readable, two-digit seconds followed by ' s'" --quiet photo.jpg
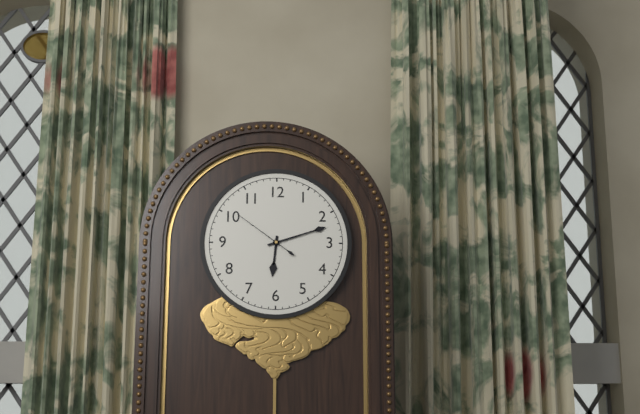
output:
6 h 12 min 51 s
